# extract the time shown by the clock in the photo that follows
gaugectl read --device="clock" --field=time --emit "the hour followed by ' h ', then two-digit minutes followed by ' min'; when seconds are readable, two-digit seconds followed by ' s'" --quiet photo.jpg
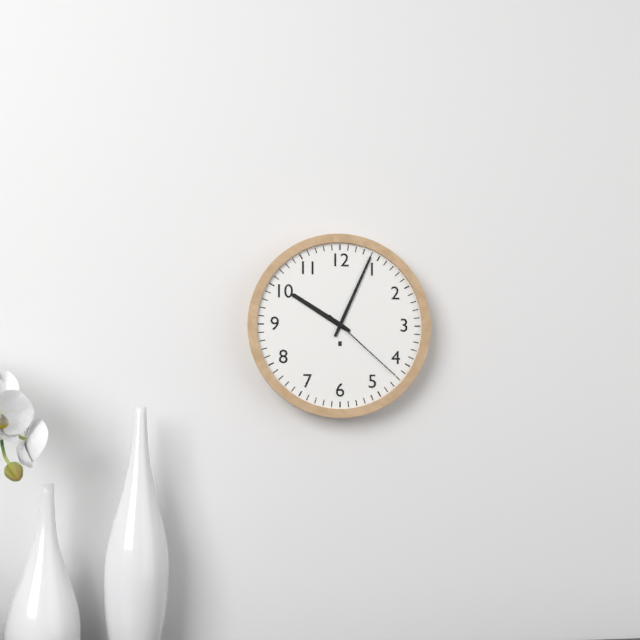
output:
10 h 04 min 22 s
